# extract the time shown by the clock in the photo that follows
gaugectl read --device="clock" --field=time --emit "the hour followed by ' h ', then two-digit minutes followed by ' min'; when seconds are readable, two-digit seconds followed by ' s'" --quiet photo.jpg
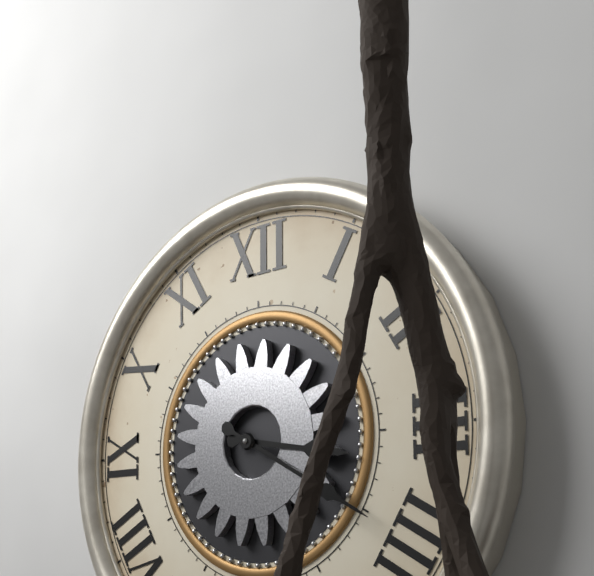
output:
3 h 20 min
